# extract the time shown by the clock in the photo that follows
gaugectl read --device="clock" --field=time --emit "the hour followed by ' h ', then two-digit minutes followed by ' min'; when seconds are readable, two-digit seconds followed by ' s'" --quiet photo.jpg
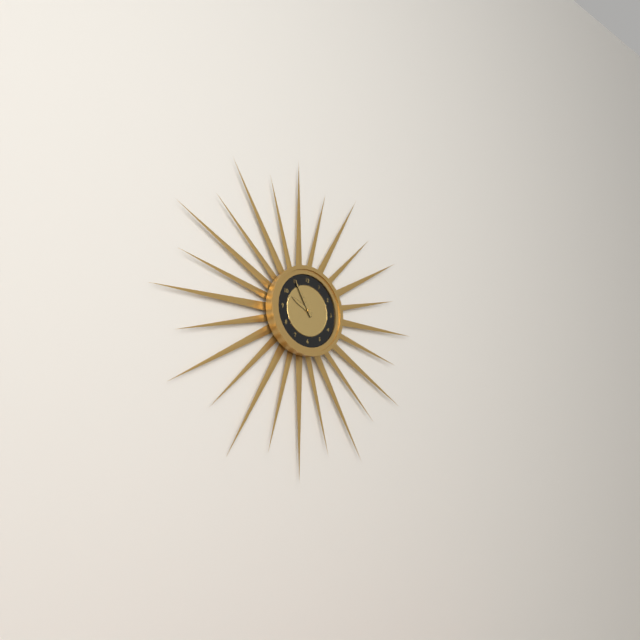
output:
9 h 55 min
